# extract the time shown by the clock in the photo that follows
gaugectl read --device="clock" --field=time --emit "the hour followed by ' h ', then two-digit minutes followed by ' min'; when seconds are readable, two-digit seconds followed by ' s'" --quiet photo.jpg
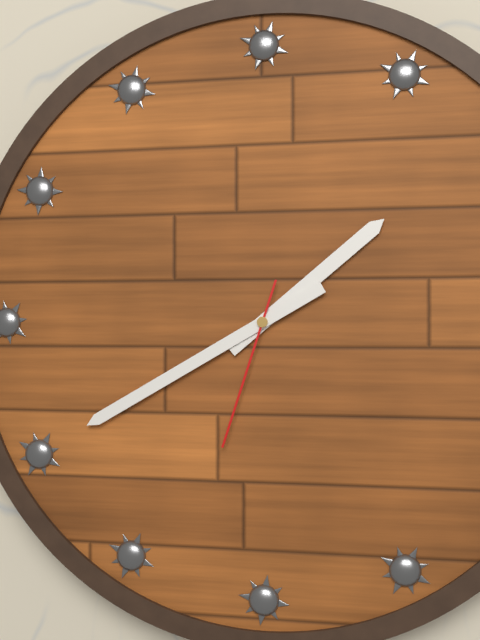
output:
1 h 40 min 33 s
